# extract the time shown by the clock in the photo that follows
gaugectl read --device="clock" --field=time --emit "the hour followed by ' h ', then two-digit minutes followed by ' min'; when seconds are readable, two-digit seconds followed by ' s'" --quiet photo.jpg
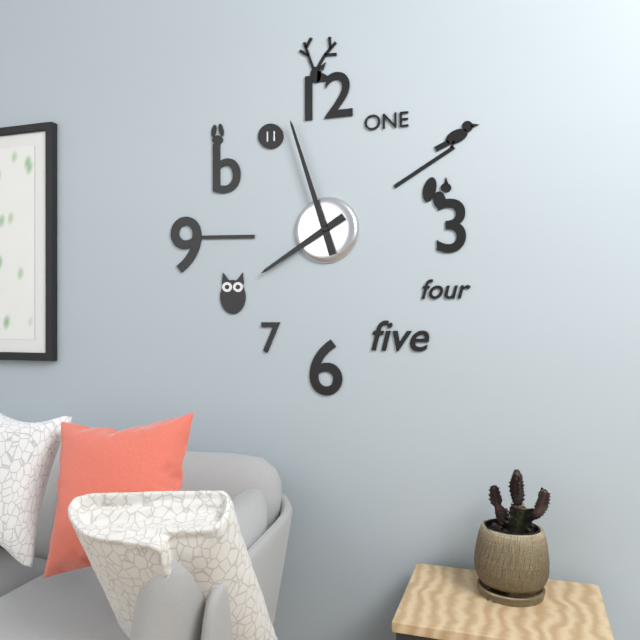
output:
7 h 57 min
